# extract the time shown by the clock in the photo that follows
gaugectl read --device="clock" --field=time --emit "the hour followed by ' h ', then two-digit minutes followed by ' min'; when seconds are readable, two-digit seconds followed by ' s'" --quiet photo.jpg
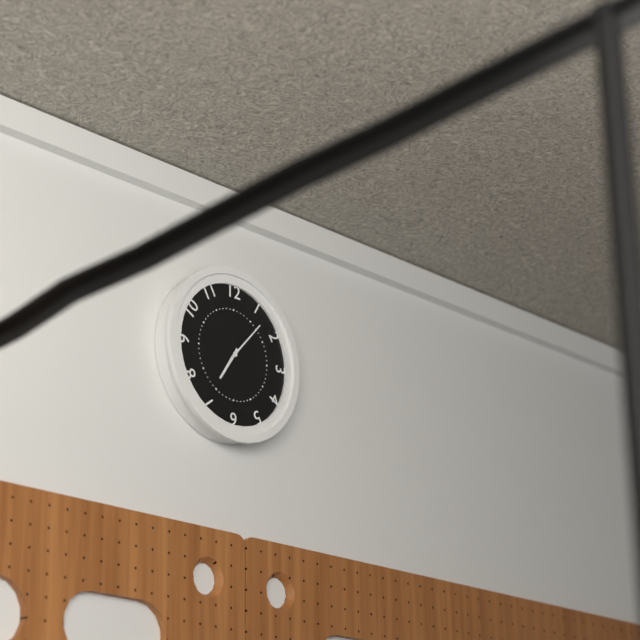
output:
7 h 07 min
